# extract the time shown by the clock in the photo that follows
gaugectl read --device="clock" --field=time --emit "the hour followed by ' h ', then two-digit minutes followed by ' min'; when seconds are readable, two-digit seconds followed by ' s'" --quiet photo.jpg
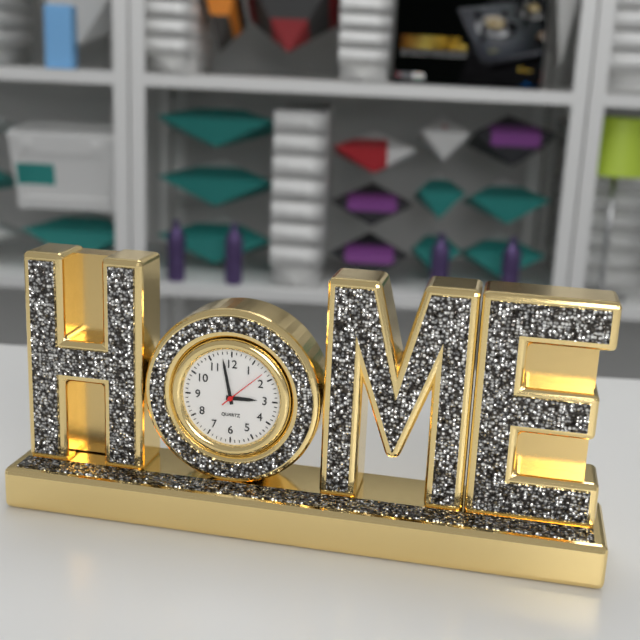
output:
2 h 58 min
